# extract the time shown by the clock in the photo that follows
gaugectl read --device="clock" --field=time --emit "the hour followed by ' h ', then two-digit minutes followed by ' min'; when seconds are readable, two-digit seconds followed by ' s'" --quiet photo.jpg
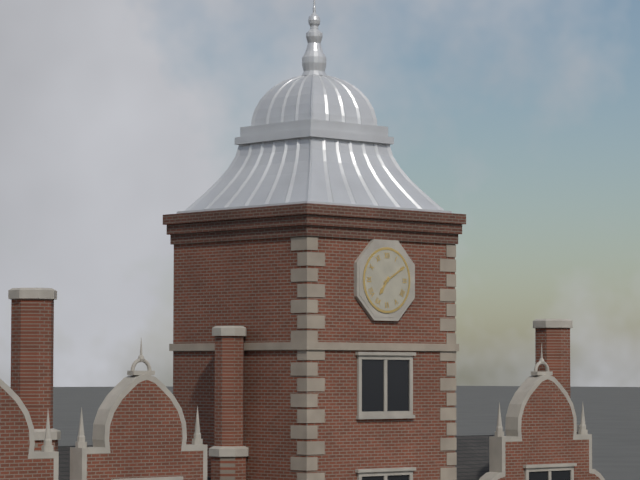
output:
7 h 10 min
